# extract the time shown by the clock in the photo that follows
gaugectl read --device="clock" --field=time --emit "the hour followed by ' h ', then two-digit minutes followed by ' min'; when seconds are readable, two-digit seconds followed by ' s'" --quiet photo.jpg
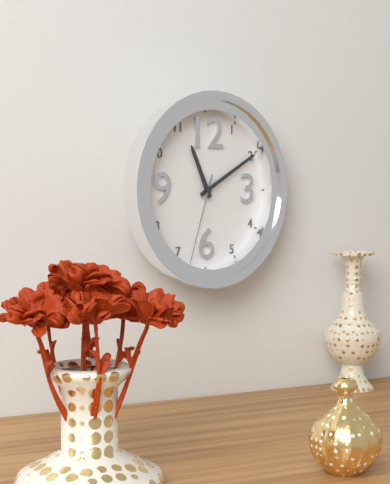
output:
11 h 10 min 33 s
